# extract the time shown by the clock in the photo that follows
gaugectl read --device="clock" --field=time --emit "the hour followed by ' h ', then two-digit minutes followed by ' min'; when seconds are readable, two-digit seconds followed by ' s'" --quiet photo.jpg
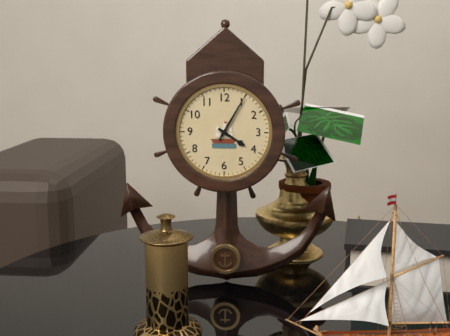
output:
4 h 05 min
